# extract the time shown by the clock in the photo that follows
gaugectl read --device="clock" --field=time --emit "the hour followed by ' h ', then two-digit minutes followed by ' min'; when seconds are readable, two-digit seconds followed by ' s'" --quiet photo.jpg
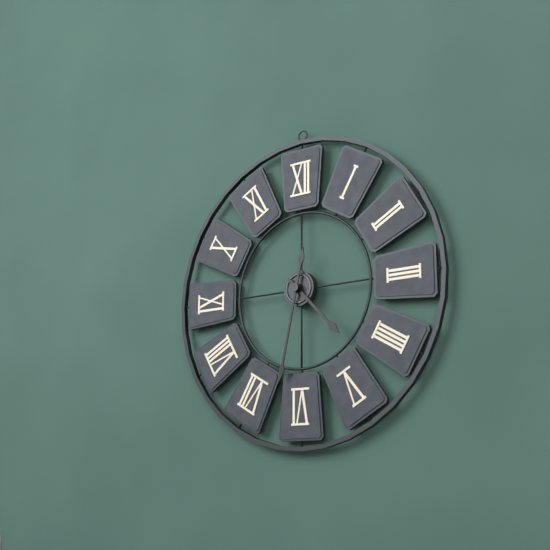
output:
4 h 32 min
